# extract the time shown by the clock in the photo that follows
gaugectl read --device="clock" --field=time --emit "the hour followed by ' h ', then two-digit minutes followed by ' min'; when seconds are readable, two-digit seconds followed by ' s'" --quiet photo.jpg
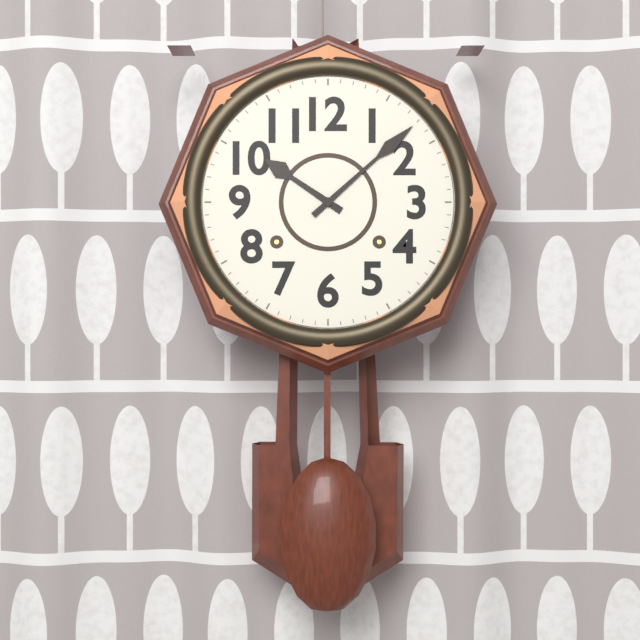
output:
10 h 08 min
